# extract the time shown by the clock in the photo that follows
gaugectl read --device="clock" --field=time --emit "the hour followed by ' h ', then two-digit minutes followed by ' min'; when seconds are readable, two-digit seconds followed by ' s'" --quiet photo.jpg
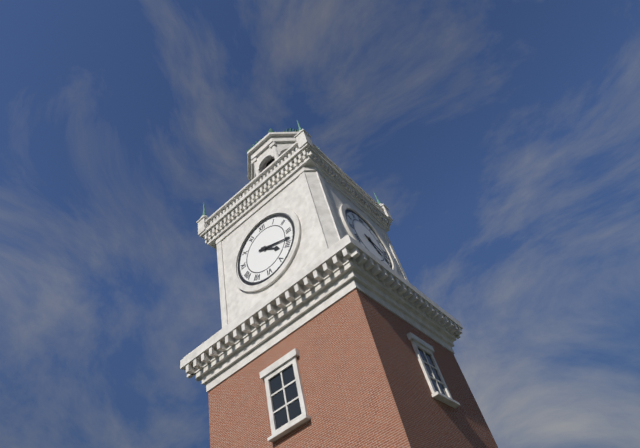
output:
4 h 18 min
